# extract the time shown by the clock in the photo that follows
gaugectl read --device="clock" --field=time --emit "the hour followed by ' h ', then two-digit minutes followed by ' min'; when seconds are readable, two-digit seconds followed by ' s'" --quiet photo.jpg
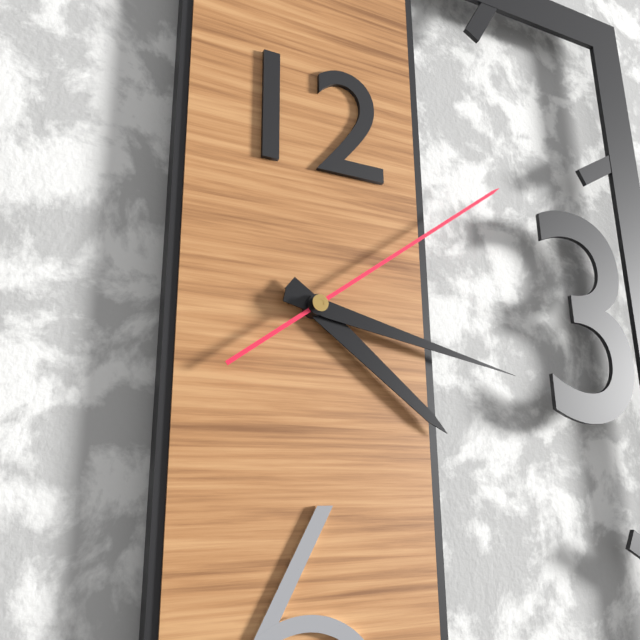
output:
4 h 17 min 09 s
